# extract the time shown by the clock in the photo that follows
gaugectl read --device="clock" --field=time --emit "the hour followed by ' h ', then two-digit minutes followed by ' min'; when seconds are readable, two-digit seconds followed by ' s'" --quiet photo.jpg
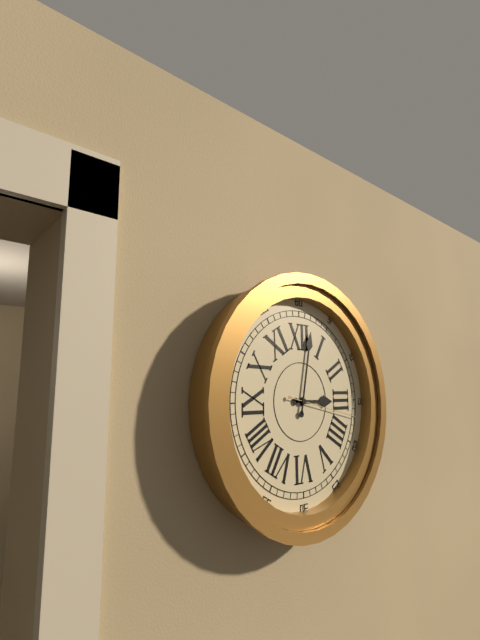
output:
3 h 02 min 17 s
